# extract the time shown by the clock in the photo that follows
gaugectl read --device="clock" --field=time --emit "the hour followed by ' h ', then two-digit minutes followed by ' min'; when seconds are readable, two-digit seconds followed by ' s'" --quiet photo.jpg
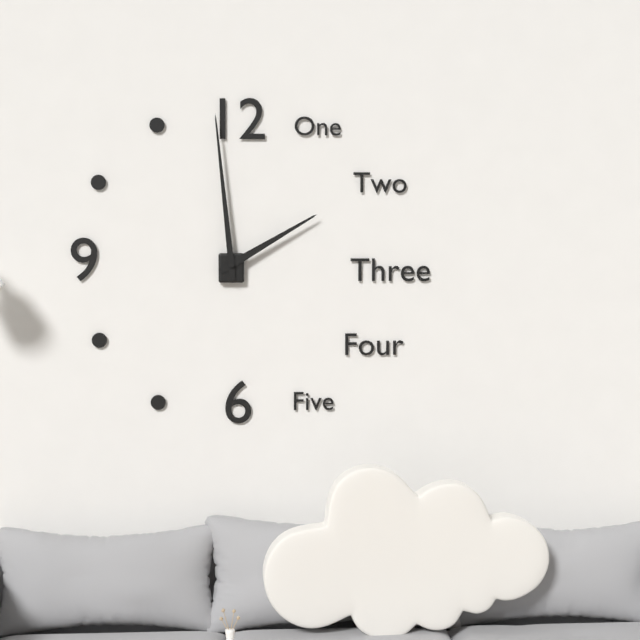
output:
1 h 59 min
